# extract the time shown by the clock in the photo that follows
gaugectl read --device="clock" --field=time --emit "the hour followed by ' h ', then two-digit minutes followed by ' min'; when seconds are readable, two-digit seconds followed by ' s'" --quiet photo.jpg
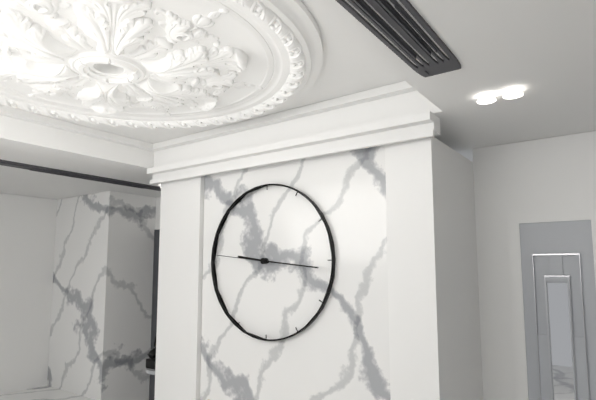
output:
9 h 16 min 46 s
